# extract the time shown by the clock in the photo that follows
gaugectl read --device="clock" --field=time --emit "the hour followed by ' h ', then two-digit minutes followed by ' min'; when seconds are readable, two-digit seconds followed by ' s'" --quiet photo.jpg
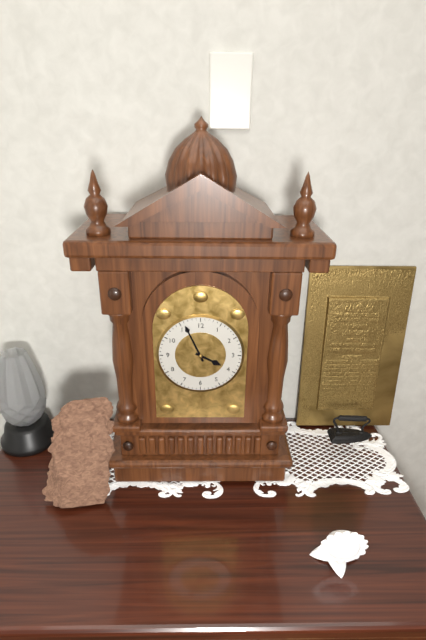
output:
3 h 56 min
